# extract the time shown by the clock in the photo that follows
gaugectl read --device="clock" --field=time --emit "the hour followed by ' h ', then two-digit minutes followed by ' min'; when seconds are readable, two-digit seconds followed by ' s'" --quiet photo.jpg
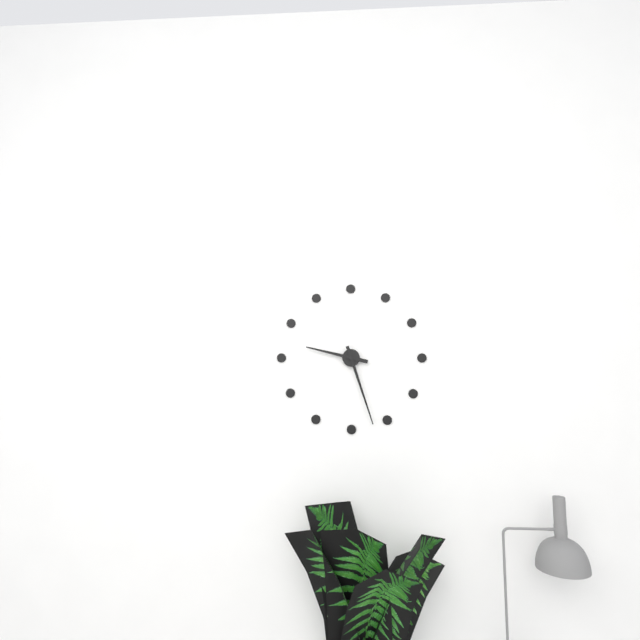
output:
9 h 27 min
